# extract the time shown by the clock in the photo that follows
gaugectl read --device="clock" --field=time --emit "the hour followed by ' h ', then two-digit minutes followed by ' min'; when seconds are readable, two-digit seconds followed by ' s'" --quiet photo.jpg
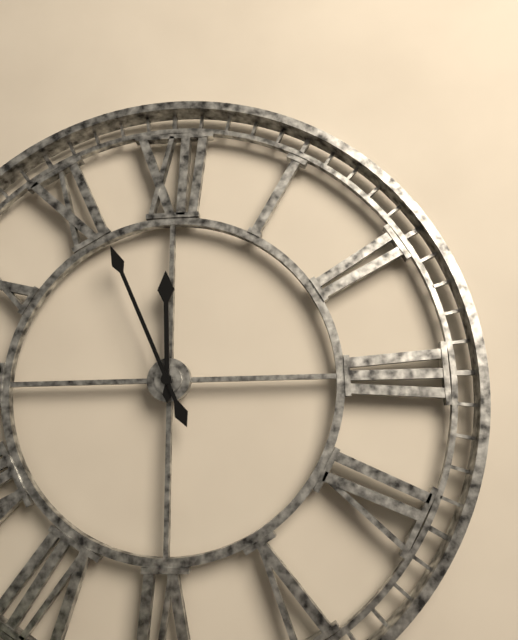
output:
11 h 56 min
